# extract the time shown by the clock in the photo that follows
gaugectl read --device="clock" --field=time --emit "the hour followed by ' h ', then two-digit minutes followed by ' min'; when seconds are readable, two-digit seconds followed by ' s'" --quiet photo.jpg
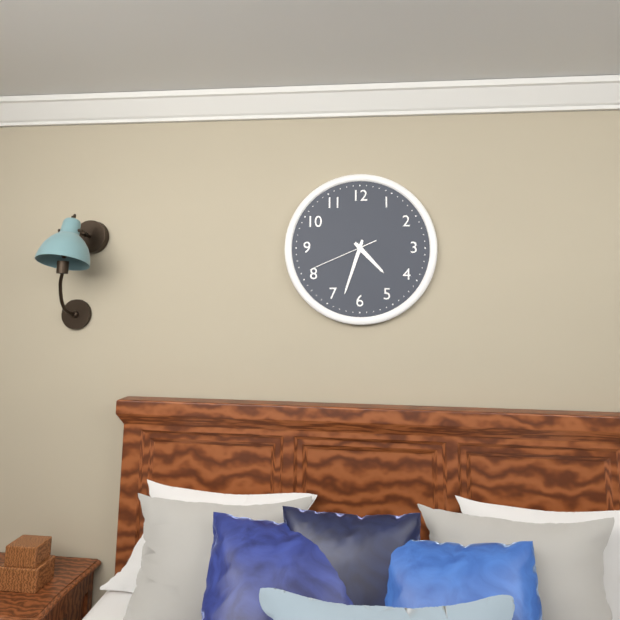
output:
4 h 33 min 41 s
